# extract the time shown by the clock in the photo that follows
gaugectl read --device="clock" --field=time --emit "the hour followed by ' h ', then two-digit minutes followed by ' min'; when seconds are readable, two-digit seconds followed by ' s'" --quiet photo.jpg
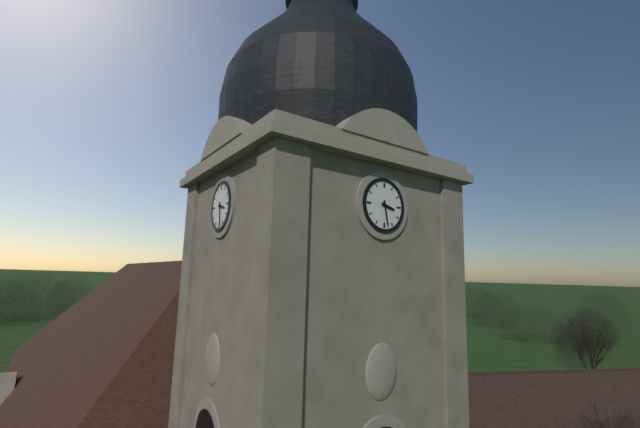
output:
3 h 28 min
